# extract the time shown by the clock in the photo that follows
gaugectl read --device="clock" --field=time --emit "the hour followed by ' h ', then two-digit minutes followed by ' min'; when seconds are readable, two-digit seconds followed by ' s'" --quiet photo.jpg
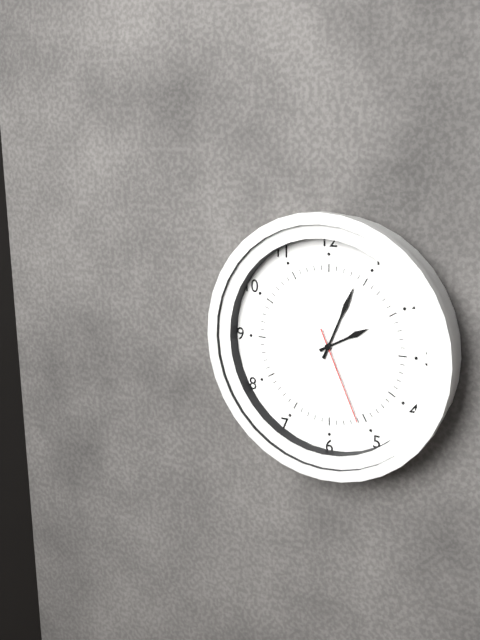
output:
2 h 04 min 26 s
